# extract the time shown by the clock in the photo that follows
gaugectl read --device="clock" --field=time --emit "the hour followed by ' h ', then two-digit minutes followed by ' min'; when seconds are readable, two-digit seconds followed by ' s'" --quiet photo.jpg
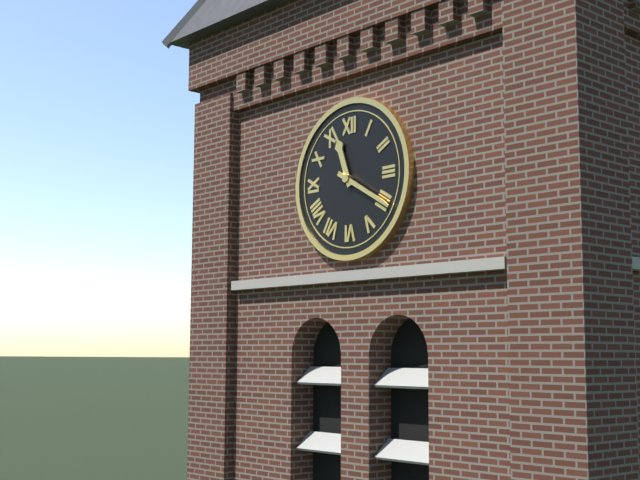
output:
11 h 20 min
